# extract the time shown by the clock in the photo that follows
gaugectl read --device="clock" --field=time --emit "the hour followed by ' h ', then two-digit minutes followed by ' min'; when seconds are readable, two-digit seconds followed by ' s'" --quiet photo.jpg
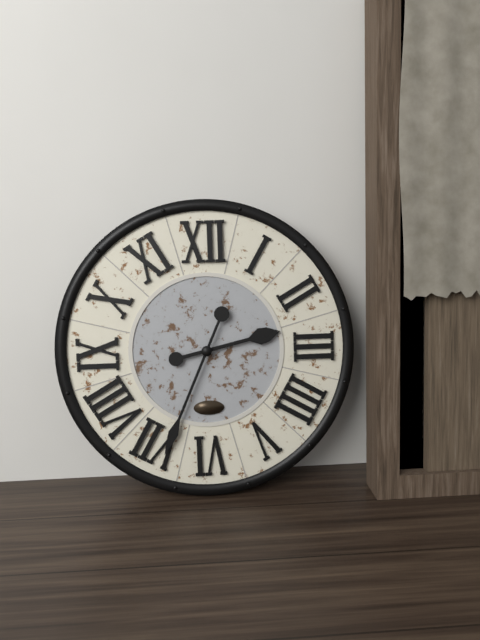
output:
2 h 34 min
